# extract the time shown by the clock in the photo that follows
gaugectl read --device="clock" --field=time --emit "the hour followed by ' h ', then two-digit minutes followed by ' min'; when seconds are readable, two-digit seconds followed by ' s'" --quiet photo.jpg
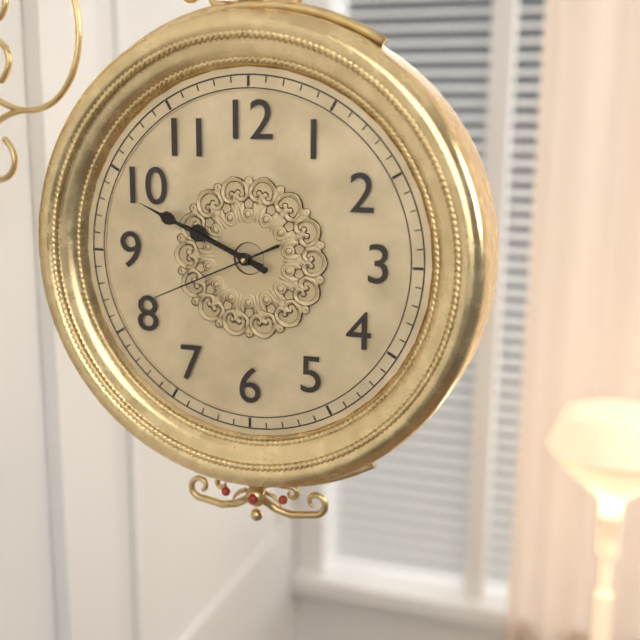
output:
9 h 49 min 41 s
